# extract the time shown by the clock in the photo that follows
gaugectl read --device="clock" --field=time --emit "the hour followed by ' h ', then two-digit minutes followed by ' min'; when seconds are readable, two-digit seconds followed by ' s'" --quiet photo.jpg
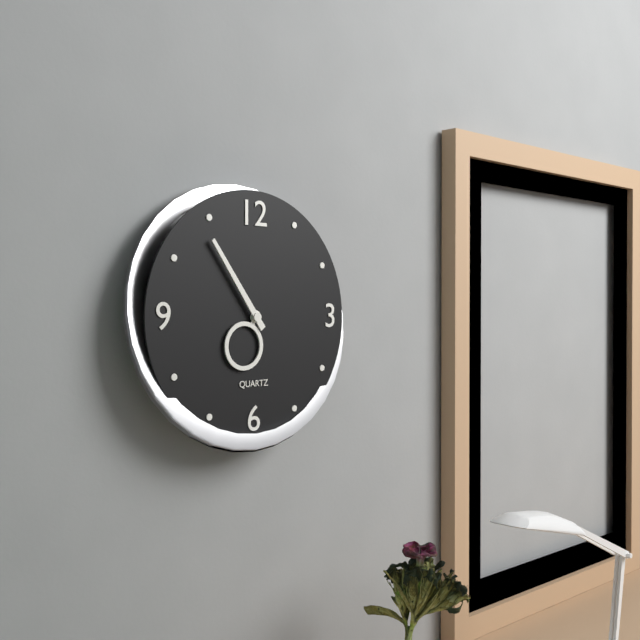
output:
6 h 54 min
